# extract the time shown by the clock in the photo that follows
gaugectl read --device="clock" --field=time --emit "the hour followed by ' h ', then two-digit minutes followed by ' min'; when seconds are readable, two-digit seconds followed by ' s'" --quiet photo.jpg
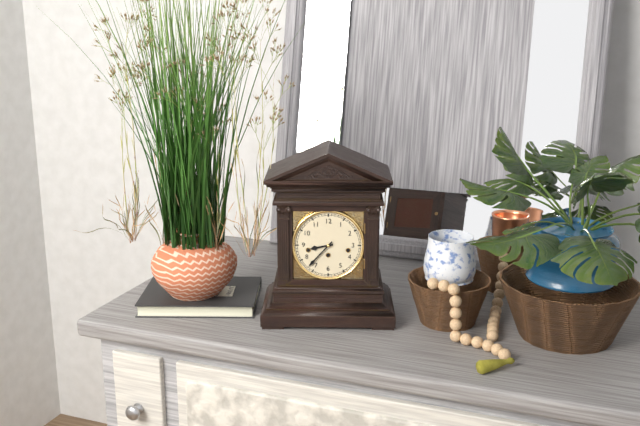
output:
8 h 37 min
